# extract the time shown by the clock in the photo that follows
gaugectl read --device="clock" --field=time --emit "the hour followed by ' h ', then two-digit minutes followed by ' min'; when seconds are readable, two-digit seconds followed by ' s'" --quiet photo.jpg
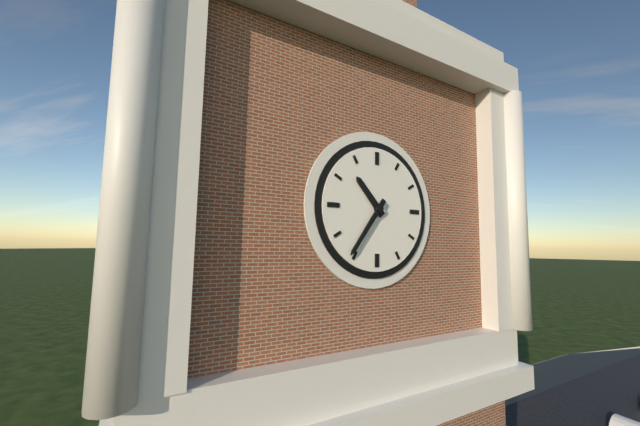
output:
10 h 36 min
